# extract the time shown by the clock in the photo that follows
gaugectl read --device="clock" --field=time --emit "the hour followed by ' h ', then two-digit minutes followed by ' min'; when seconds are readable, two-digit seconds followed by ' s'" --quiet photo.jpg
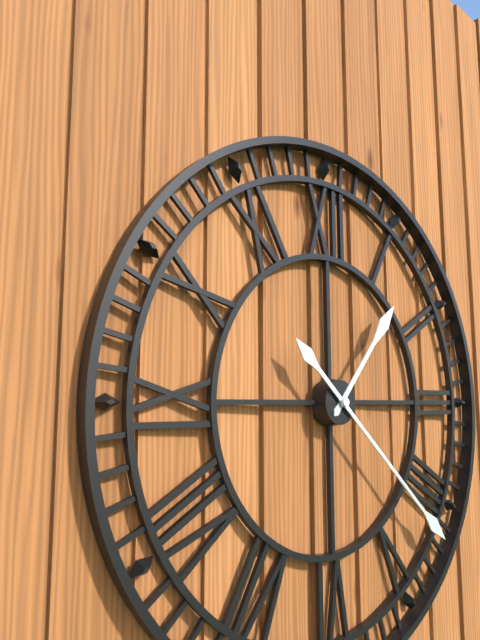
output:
1 h 22 min
